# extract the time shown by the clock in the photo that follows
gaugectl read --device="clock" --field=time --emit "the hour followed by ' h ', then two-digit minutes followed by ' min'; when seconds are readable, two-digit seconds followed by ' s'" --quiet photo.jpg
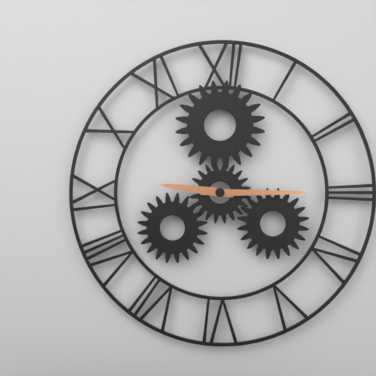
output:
9 h 15 min
